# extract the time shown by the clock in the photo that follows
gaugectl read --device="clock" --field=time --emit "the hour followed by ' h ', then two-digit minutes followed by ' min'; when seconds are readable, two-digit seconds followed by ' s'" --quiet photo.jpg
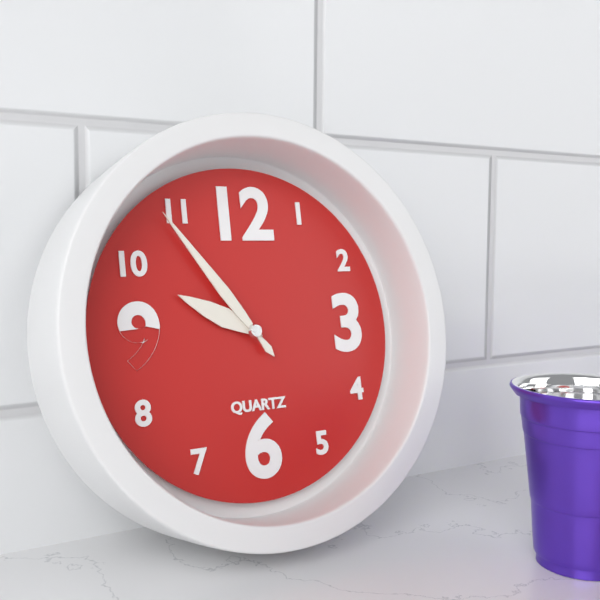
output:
9 h 54 min
